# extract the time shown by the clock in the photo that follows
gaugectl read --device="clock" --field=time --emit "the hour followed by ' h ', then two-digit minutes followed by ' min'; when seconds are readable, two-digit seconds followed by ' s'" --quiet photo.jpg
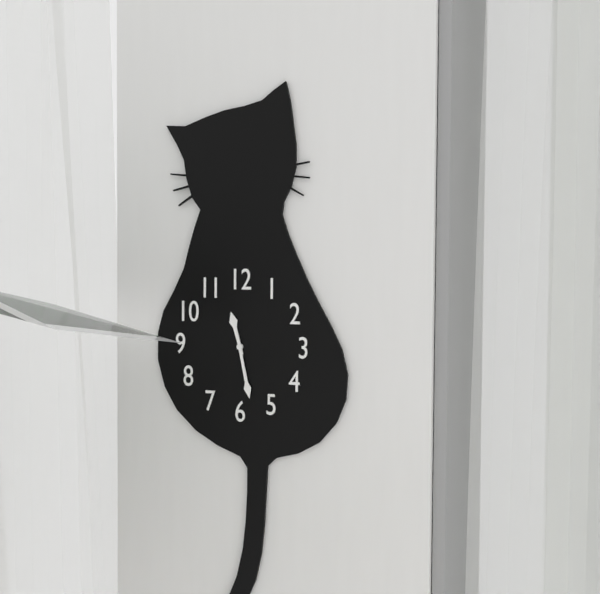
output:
11 h 28 min
